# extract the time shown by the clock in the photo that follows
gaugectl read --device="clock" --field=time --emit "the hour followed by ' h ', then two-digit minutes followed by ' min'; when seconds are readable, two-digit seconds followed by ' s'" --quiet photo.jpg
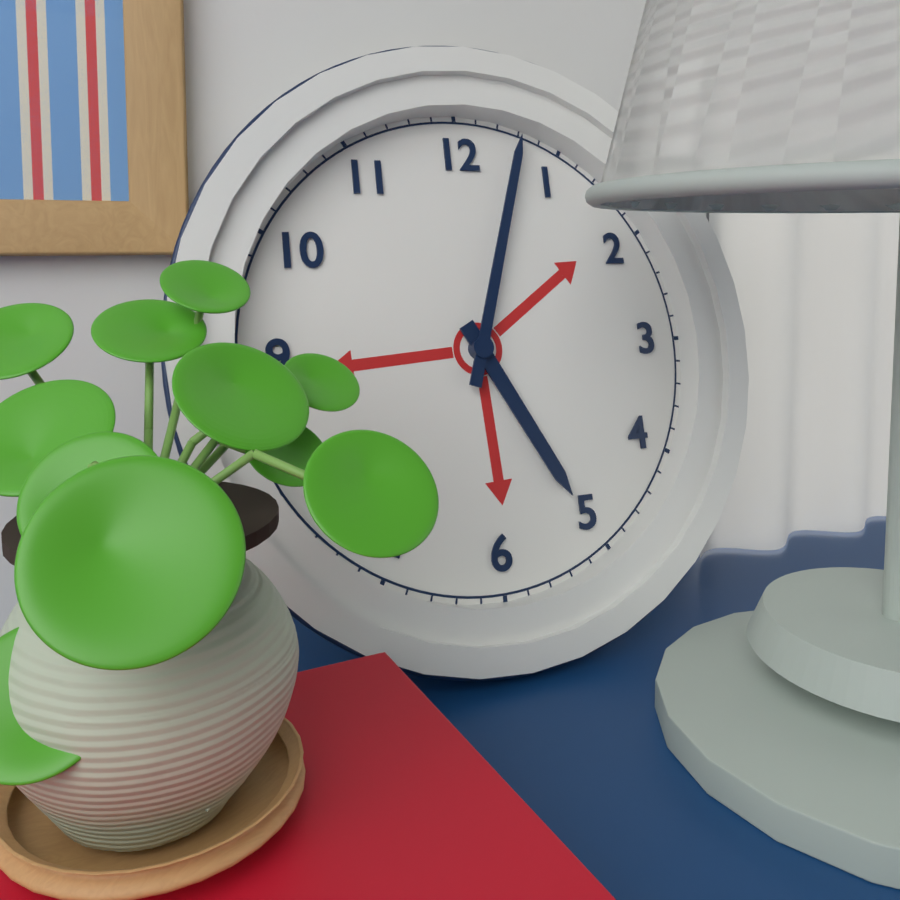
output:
5 h 03 min
